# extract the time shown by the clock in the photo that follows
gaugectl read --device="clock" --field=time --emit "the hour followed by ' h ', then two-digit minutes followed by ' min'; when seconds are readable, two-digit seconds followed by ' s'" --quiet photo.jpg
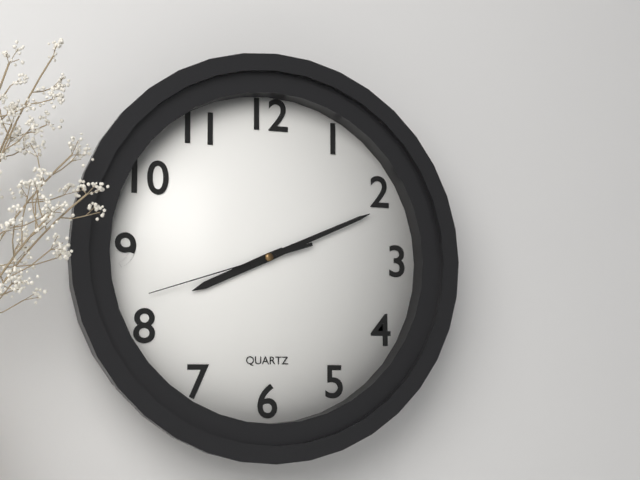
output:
8 h 11 min 42 s
